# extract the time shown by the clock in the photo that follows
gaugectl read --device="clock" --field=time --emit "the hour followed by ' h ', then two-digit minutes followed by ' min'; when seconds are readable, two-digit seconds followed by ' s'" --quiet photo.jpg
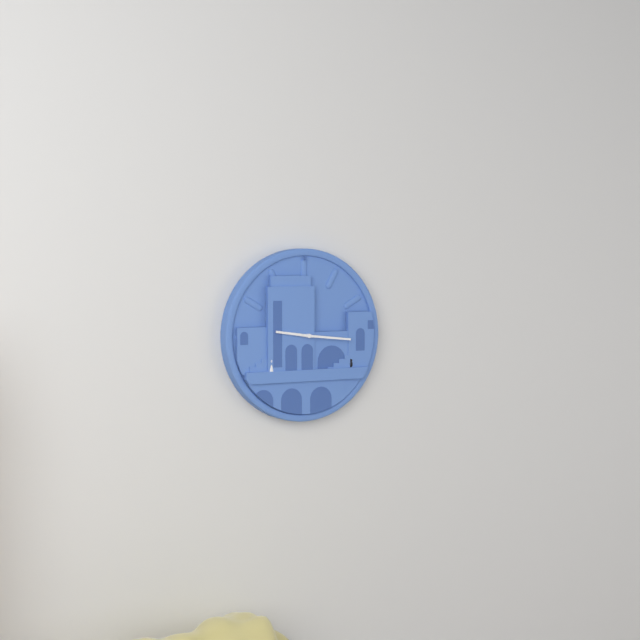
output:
9 h 16 min
